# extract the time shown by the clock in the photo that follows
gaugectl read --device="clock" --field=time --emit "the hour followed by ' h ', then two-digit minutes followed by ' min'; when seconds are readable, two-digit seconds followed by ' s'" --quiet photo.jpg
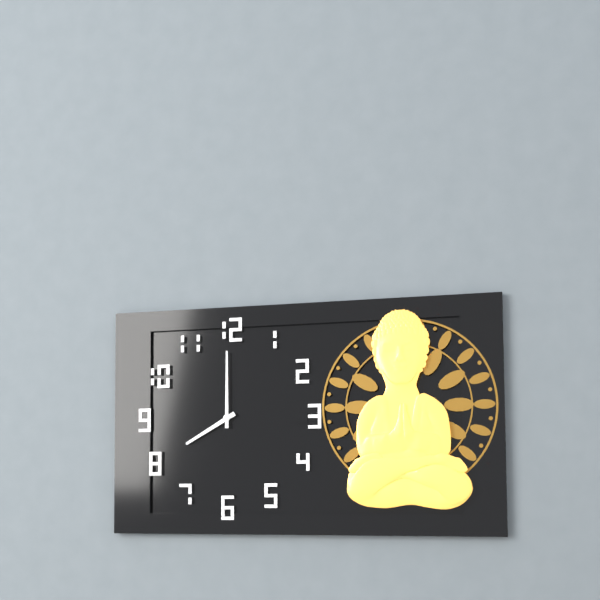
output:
8 h 00 min
